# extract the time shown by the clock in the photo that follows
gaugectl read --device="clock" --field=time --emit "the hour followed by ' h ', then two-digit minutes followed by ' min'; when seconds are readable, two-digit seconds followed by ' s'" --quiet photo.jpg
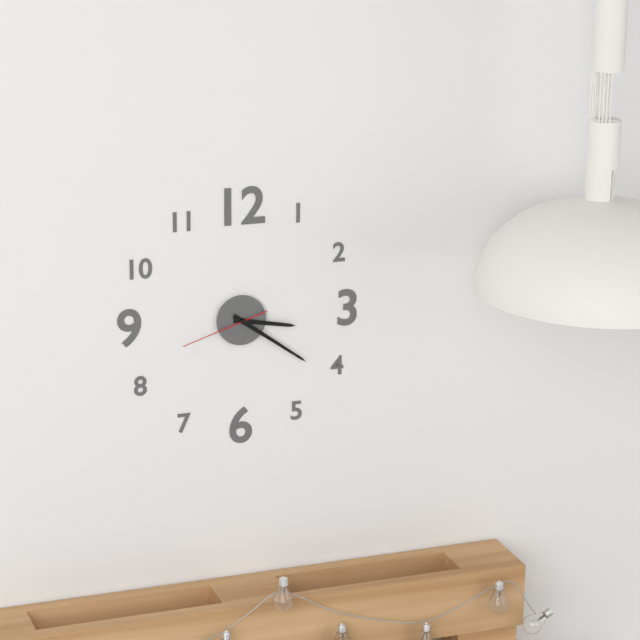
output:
3 h 21 min 42 s
